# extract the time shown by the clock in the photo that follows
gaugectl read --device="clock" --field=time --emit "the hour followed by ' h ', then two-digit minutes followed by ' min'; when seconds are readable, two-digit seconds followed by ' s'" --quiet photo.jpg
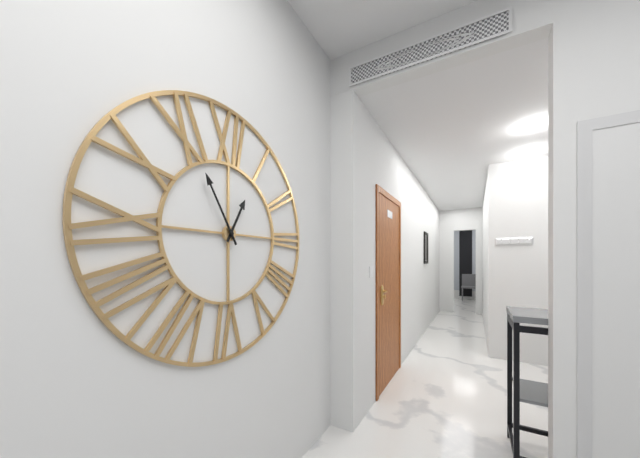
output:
12 h 55 min
